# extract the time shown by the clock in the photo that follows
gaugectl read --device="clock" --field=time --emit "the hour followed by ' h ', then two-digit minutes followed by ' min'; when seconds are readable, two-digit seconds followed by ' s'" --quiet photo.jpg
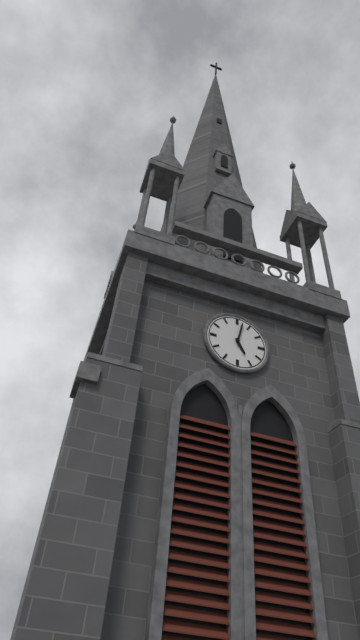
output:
5 h 02 min
